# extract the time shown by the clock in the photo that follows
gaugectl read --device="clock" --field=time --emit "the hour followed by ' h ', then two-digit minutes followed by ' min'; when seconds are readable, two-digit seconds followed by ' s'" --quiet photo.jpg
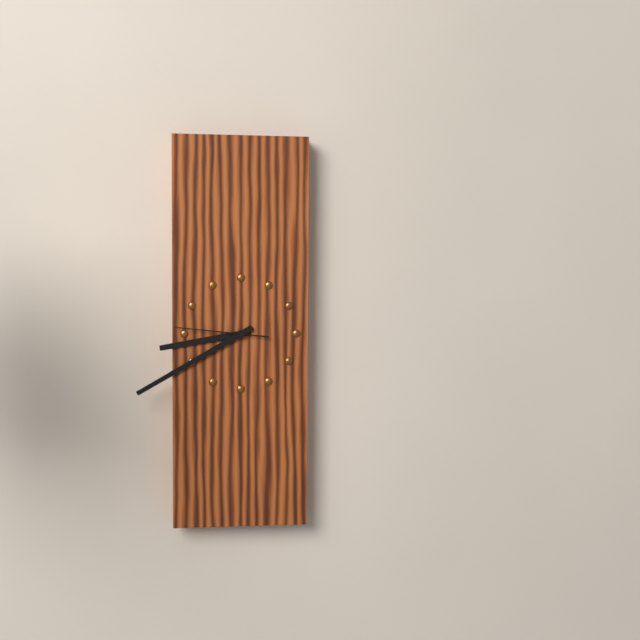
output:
8 h 40 min 46 s
